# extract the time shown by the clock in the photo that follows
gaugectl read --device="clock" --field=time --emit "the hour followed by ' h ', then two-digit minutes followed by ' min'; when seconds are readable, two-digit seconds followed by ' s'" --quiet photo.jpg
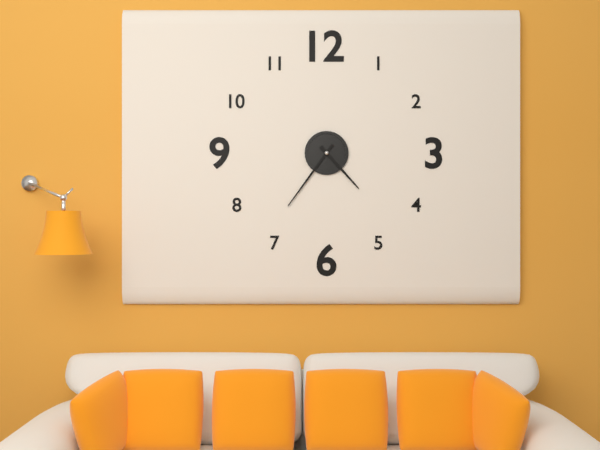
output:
4 h 36 min
